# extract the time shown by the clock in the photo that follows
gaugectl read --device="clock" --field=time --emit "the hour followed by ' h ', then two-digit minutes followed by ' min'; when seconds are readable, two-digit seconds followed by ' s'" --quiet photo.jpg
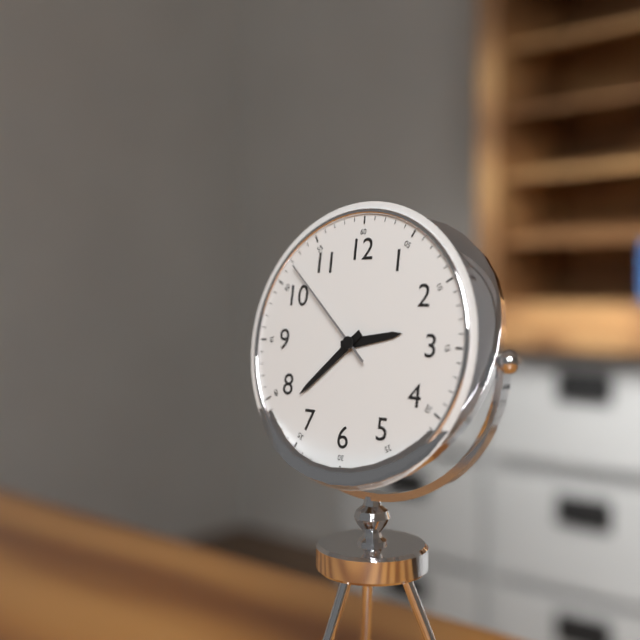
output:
2 h 38 min 52 s
